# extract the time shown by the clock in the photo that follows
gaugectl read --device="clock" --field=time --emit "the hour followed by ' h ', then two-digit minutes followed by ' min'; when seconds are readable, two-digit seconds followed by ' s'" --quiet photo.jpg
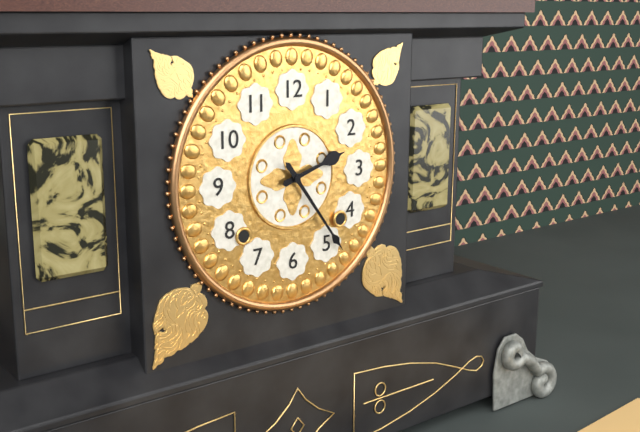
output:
2 h 24 min
